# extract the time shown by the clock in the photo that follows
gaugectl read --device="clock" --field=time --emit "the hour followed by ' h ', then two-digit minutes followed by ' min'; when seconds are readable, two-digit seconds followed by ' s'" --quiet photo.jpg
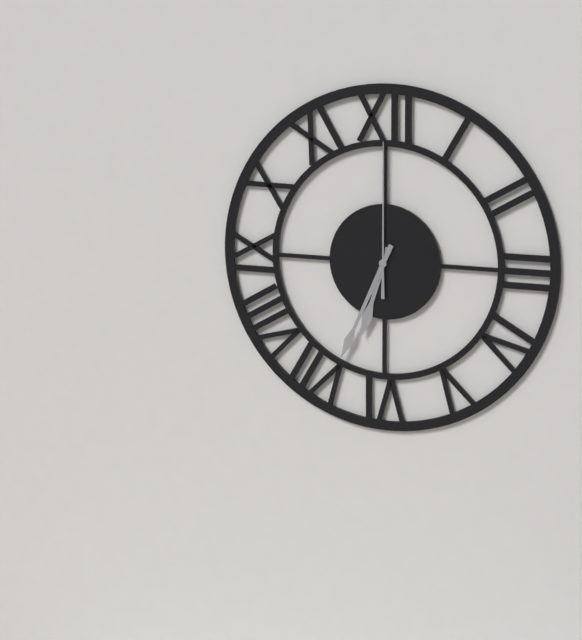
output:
6 h 34 min 00 s
